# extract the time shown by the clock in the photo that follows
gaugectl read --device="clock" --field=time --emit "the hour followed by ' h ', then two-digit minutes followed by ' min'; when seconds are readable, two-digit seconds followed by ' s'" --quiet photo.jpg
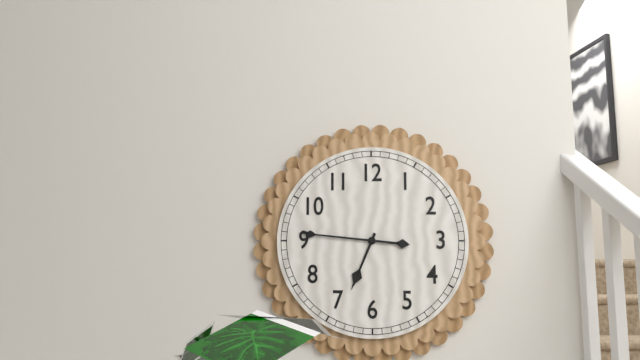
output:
6 h 46 min
